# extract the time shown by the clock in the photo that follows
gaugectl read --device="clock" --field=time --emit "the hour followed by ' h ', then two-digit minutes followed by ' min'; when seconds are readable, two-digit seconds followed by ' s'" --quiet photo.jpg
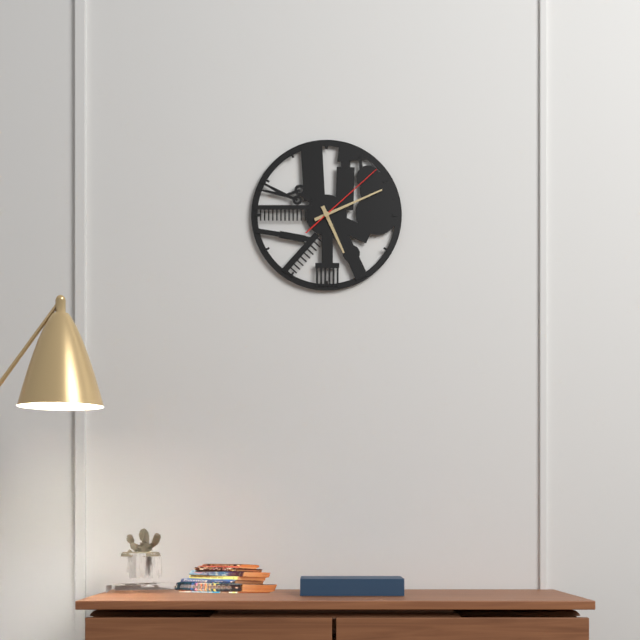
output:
5 h 11 min 08 s
